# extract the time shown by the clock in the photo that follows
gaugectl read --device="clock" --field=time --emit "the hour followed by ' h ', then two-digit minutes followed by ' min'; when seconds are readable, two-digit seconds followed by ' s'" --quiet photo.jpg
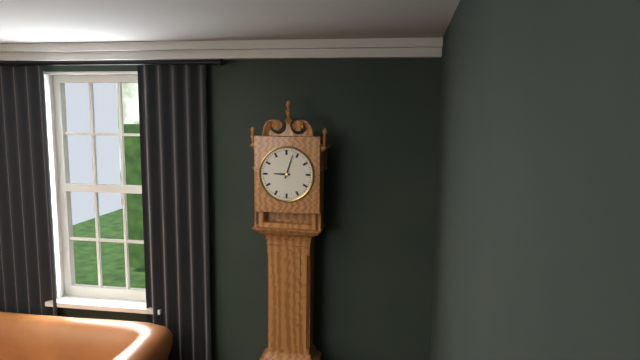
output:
9 h 03 min
